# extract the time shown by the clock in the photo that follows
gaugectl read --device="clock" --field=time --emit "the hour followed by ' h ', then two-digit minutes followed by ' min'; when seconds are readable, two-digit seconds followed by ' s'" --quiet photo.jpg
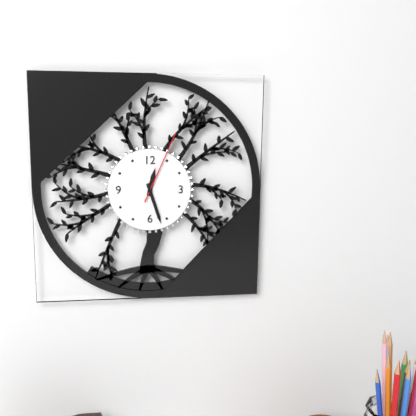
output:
12 h 27 min 04 s
